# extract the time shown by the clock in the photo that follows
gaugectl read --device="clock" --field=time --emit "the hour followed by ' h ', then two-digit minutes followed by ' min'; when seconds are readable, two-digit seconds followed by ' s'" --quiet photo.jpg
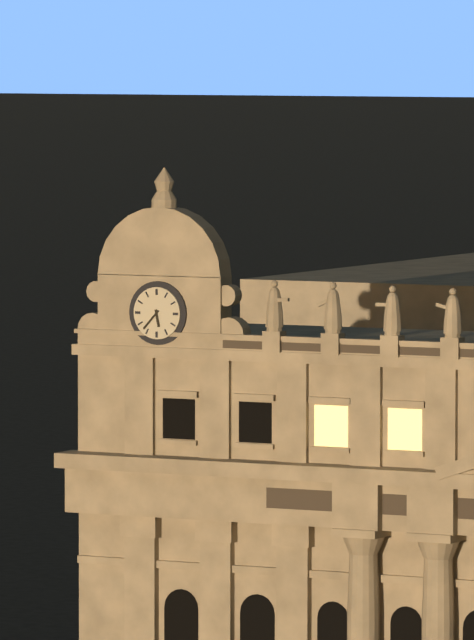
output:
5 h 37 min
